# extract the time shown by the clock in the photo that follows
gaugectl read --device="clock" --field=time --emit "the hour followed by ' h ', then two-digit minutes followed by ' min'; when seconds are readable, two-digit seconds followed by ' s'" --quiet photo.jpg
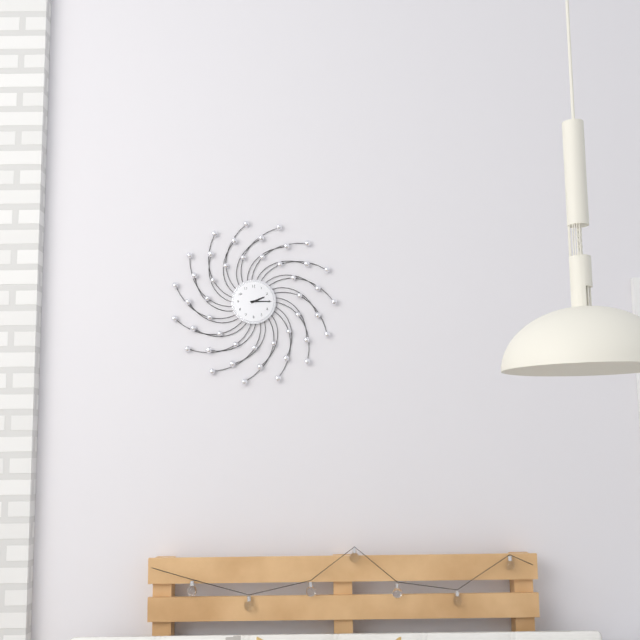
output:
2 h 15 min
